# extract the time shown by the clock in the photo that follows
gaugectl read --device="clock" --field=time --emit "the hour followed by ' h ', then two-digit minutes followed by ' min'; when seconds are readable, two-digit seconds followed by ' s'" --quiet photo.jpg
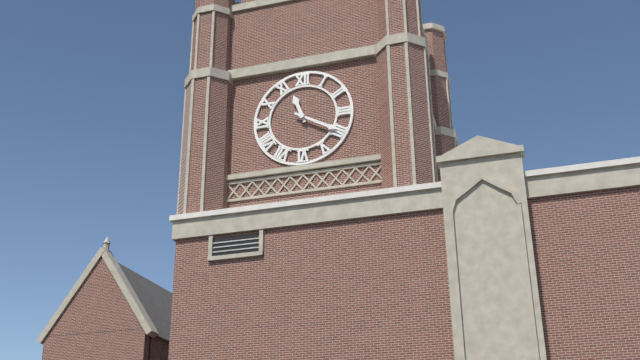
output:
11 h 20 min
